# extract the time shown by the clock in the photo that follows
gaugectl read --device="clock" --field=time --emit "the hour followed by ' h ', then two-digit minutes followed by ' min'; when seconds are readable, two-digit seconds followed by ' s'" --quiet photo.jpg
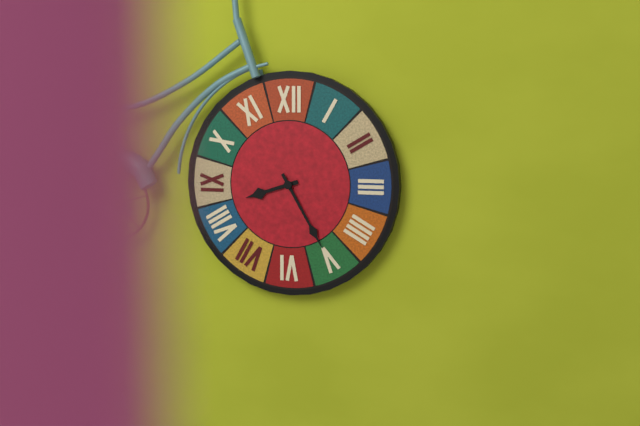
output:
8 h 25 min
